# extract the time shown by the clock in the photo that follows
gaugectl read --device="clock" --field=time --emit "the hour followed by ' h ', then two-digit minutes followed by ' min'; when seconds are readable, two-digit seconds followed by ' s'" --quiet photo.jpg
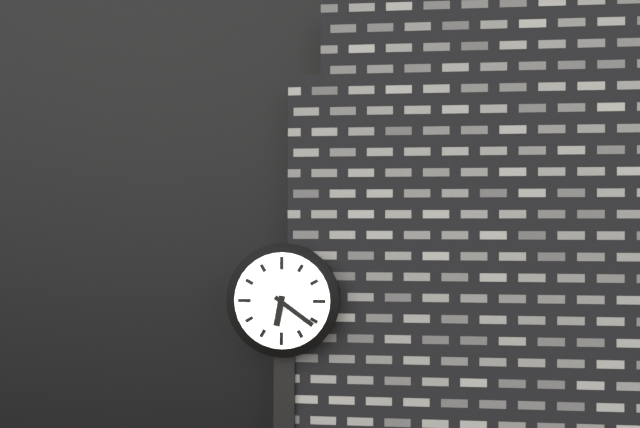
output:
6 h 21 min
